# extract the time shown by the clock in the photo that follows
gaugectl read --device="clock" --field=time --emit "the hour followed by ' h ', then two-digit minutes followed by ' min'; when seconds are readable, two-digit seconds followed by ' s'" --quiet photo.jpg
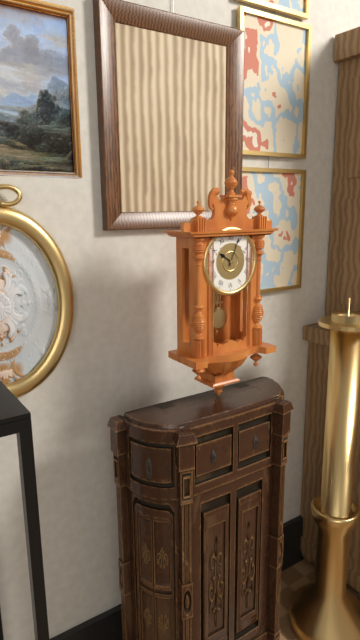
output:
10 h 04 min
